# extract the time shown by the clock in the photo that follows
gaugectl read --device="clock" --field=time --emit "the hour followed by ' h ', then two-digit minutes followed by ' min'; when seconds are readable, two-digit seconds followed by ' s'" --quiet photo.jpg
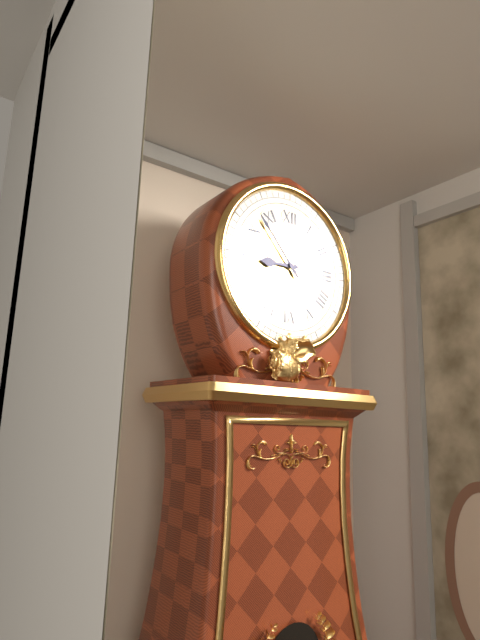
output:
8 h 53 min
